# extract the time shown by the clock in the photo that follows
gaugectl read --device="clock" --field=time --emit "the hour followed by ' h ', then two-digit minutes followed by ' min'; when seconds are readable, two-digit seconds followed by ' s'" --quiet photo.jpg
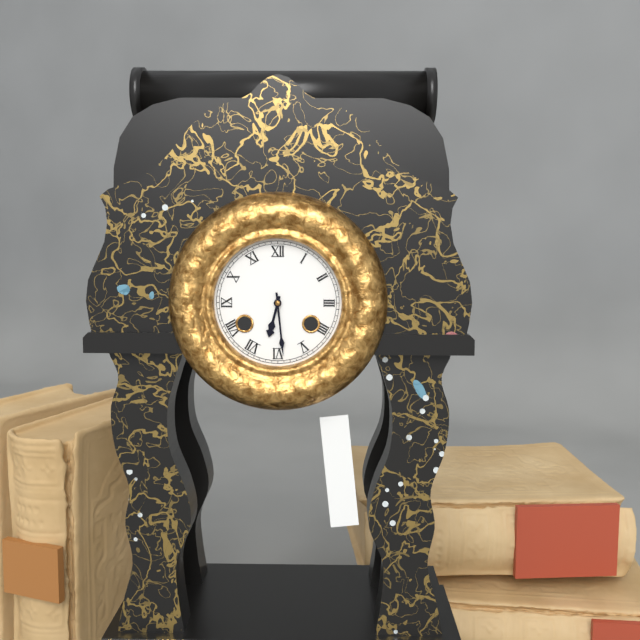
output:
6 h 29 min
